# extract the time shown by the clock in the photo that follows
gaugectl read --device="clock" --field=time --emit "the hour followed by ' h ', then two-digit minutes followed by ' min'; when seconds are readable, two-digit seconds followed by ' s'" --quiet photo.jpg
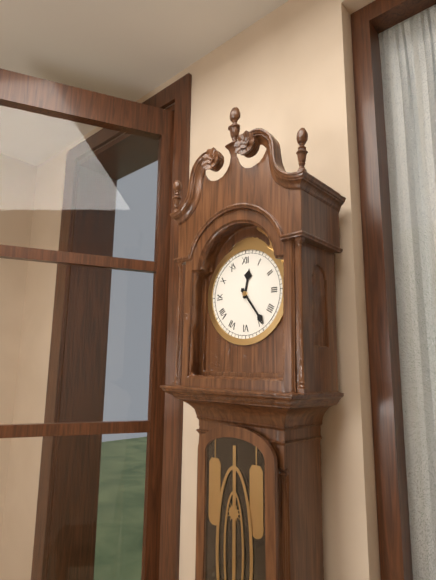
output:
12 h 24 min
